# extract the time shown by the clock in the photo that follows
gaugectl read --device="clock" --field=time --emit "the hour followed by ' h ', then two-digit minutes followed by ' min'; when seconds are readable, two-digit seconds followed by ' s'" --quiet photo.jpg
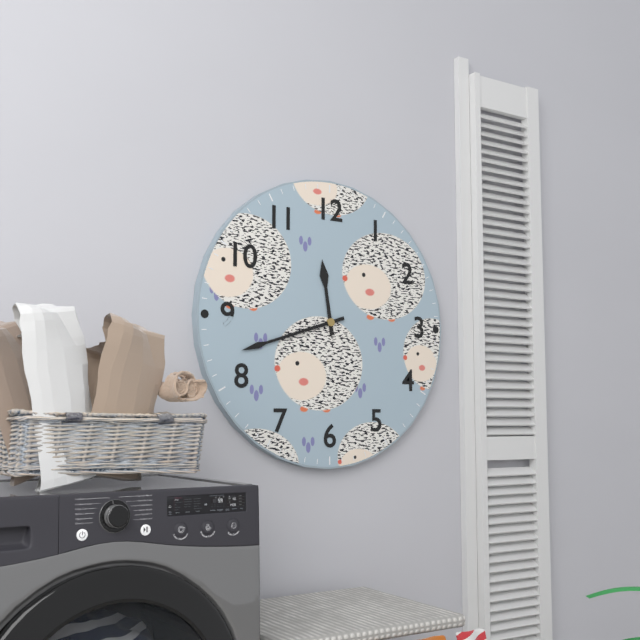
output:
11 h 42 min
